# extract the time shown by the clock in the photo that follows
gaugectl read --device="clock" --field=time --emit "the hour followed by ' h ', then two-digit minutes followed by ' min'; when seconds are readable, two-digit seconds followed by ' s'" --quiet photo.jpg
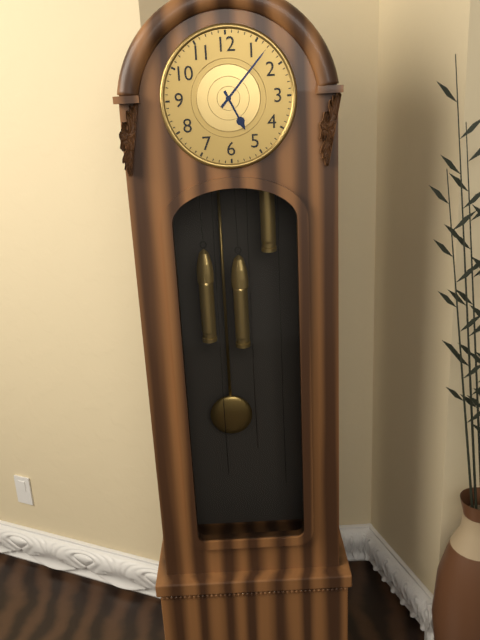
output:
5 h 07 min
